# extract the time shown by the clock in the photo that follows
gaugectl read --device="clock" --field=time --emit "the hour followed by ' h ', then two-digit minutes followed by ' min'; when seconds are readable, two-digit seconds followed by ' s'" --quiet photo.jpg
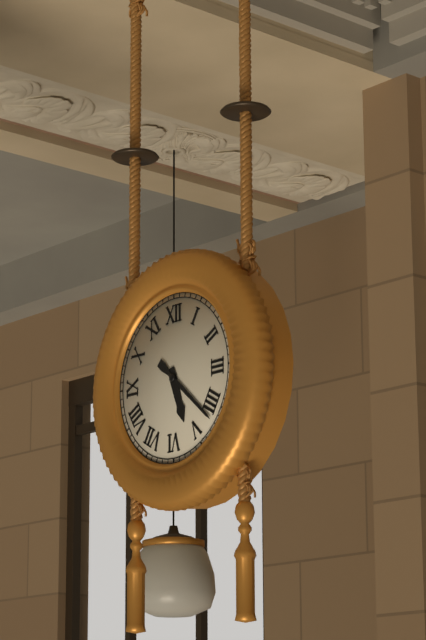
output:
5 h 22 min
